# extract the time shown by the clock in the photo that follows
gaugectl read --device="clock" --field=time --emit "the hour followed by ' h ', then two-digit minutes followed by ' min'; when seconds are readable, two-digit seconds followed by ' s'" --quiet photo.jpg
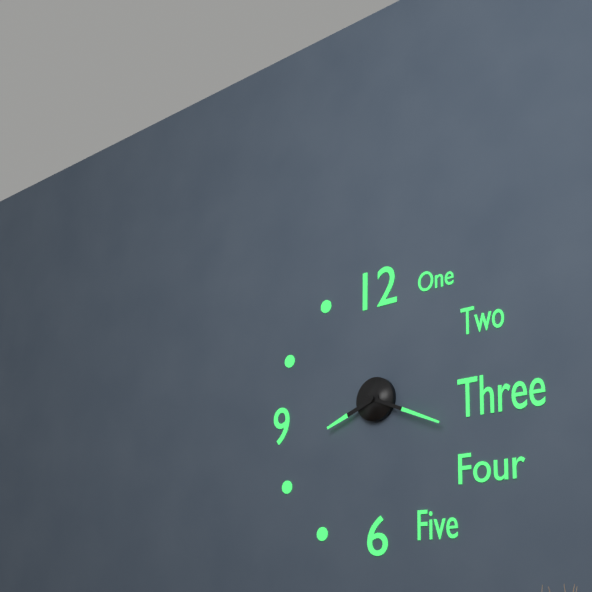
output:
8 h 19 min
